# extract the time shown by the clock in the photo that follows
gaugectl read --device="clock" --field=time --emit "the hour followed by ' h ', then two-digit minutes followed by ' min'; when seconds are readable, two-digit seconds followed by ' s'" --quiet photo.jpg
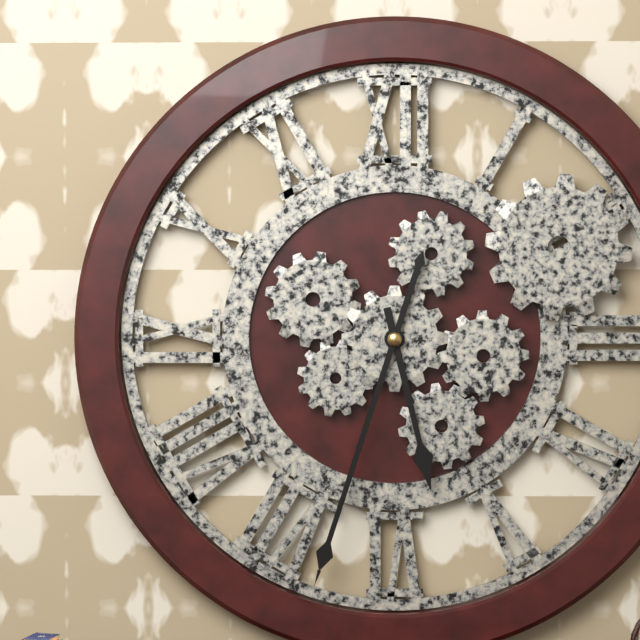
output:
5 h 33 min
